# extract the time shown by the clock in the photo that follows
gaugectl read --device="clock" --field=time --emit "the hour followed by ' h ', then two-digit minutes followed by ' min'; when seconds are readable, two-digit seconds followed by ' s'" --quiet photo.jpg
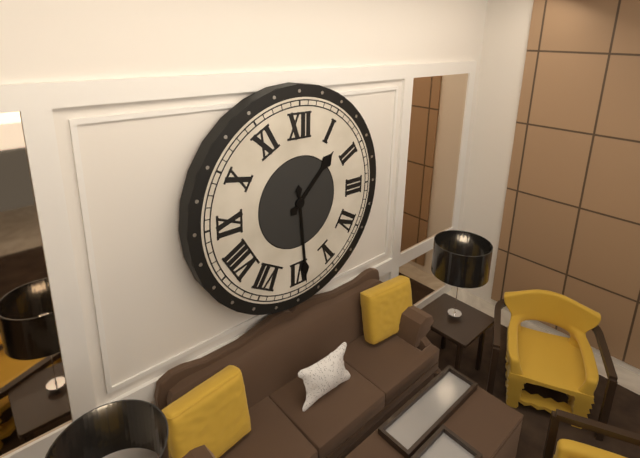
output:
1 h 29 min
